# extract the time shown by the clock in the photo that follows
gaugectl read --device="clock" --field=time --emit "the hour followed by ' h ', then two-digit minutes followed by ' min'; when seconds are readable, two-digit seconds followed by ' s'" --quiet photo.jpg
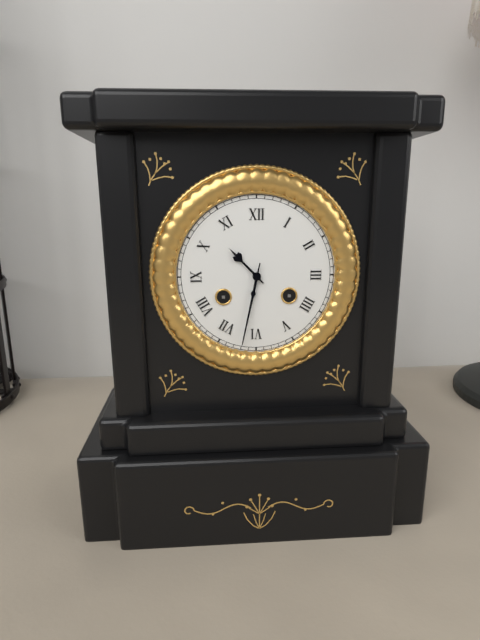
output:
10 h 32 min
